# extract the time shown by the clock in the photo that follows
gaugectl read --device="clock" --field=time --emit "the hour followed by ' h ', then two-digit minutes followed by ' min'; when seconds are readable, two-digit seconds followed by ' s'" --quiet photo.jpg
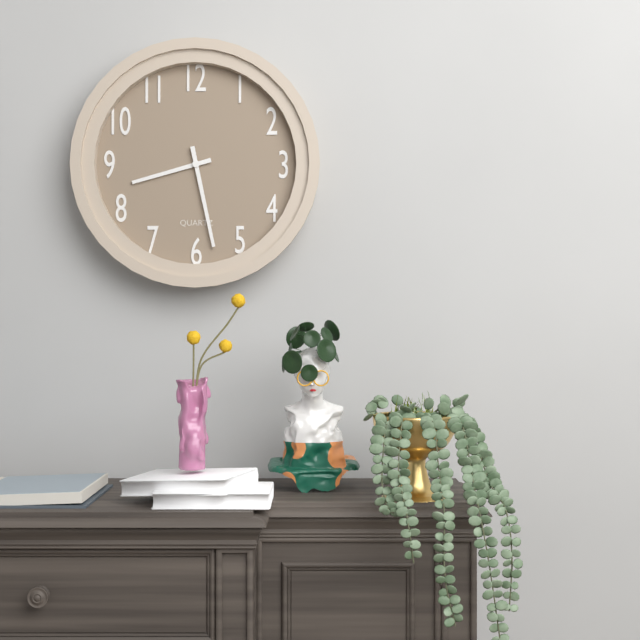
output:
8 h 28 min
